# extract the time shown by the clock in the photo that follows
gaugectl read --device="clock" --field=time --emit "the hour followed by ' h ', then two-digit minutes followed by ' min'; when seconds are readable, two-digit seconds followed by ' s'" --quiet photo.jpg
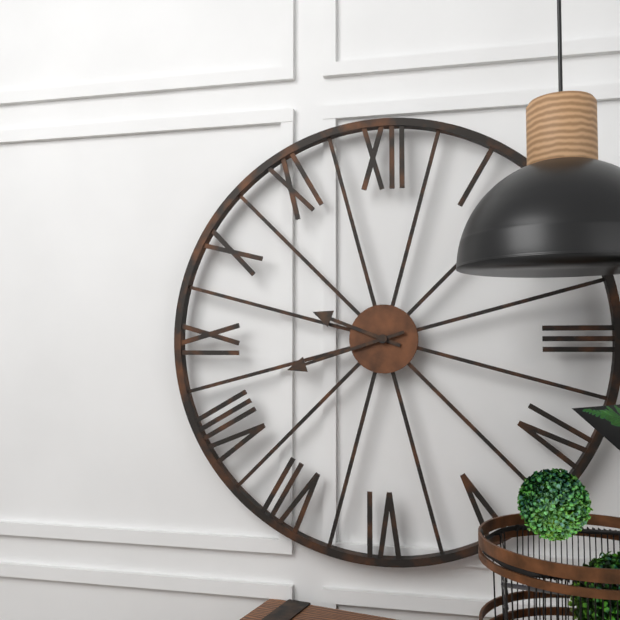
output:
9 h 42 min
